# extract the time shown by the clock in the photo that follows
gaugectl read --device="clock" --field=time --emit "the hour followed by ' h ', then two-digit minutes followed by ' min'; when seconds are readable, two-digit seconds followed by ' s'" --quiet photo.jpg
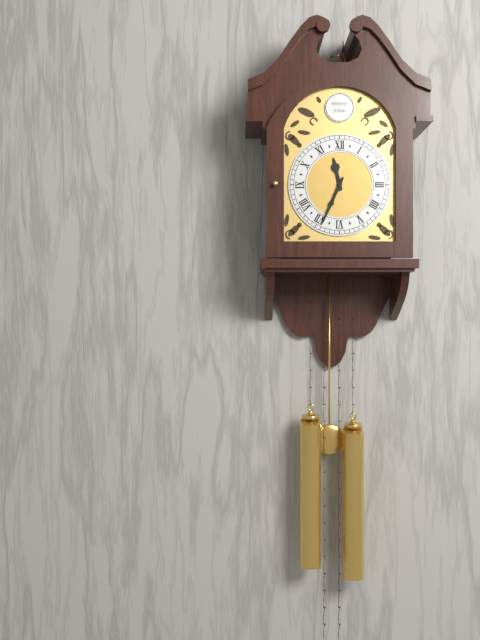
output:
11 h 34 min
